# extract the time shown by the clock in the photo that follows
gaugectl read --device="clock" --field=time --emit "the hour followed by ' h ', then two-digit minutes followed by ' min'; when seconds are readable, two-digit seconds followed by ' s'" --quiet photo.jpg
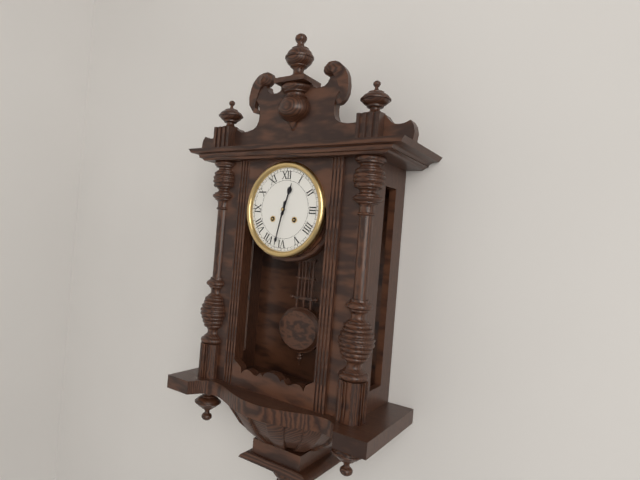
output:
12 h 32 min
